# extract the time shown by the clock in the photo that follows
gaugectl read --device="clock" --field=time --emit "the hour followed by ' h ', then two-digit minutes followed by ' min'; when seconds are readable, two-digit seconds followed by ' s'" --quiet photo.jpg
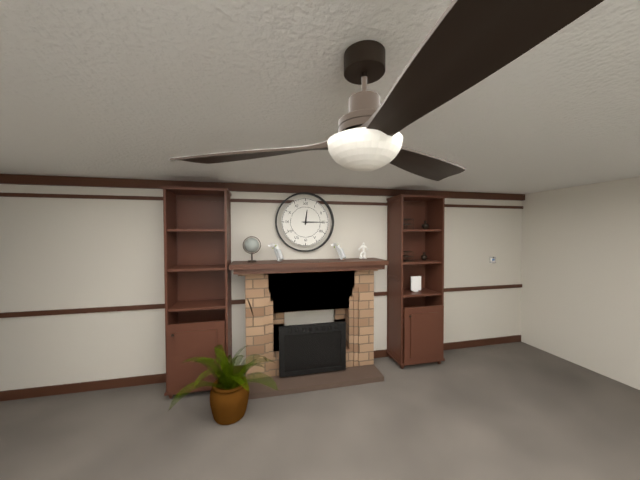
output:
12 h 15 min
